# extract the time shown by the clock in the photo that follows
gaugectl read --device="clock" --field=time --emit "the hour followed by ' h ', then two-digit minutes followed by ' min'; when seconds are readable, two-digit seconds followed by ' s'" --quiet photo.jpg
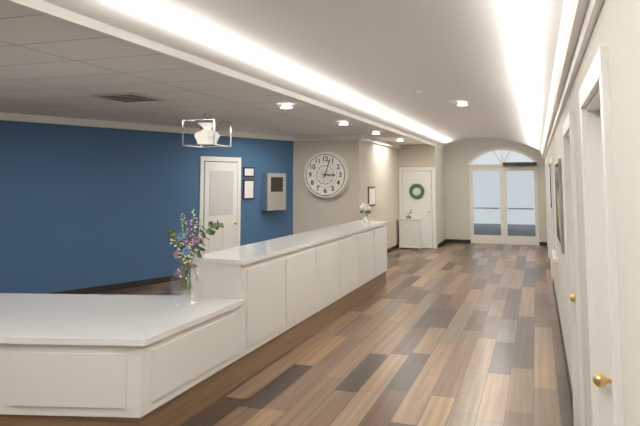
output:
3 h 03 min
